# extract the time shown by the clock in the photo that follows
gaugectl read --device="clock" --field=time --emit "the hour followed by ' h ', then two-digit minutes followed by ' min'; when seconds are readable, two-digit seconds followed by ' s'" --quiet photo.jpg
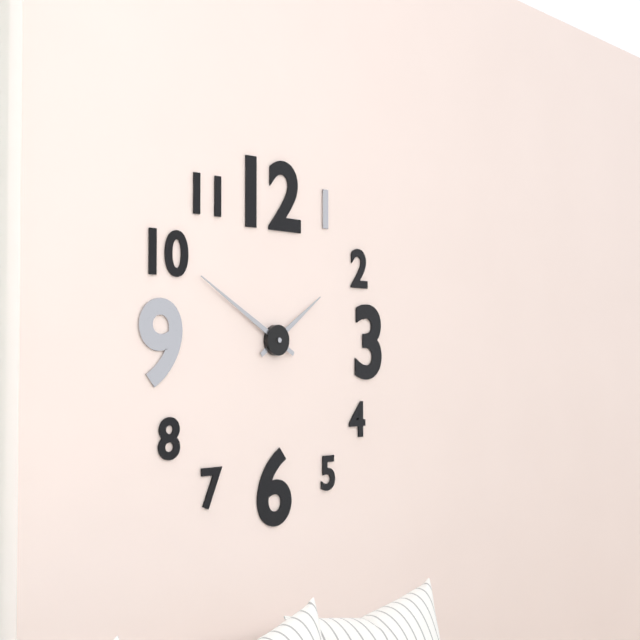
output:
1 h 50 min
